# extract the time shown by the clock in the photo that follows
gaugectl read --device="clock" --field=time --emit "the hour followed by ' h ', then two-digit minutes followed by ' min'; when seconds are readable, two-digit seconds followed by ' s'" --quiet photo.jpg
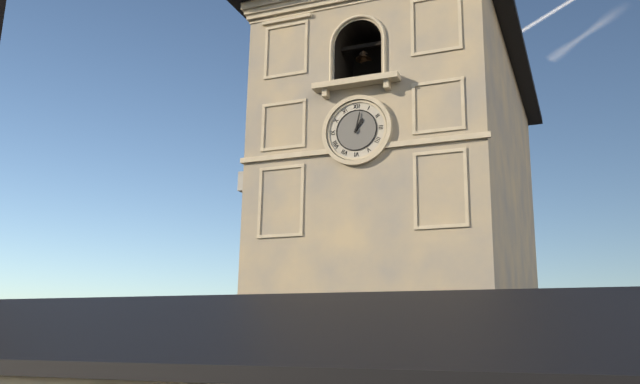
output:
1 h 02 min
